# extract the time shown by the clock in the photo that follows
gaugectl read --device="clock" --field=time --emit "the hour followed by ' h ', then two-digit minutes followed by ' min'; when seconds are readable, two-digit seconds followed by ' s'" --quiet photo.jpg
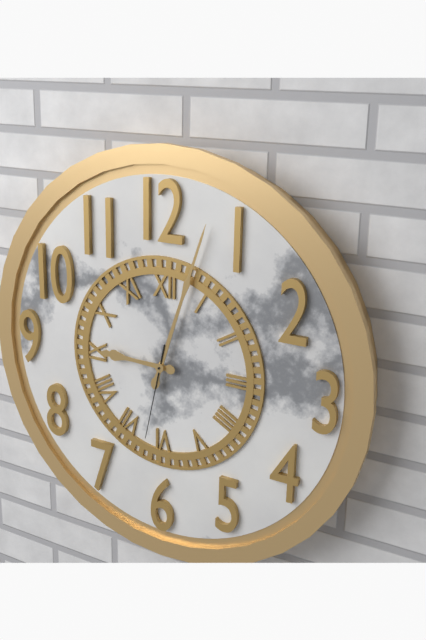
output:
9 h 03 min 32 s
